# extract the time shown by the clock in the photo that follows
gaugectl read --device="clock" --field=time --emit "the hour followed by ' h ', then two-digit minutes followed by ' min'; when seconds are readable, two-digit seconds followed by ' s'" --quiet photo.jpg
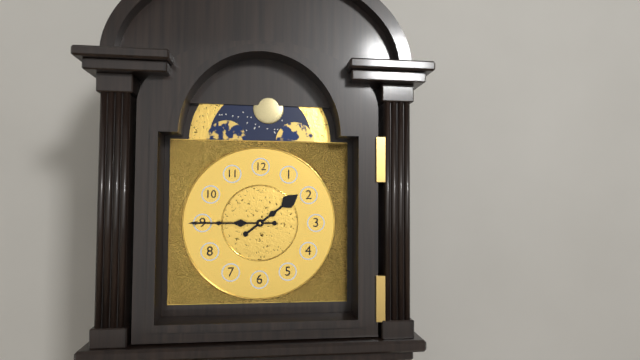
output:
1 h 45 min
